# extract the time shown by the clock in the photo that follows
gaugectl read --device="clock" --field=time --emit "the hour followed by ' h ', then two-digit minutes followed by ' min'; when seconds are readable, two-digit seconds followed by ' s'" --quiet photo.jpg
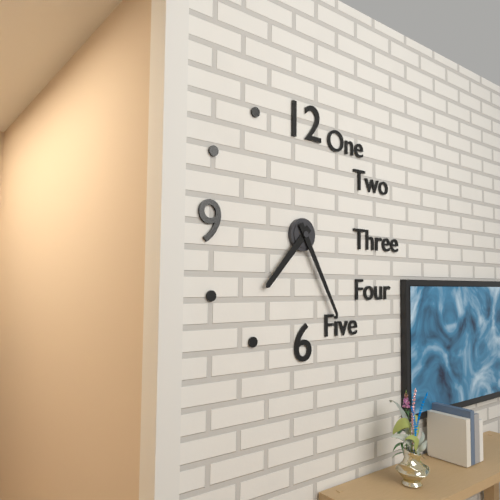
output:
7 h 25 min
